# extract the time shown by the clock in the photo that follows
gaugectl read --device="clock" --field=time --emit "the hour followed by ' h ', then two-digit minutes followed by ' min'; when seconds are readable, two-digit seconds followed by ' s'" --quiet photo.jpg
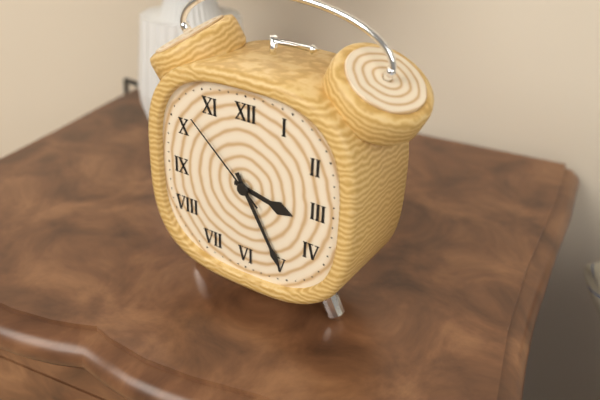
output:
3 h 25 min 52 s
